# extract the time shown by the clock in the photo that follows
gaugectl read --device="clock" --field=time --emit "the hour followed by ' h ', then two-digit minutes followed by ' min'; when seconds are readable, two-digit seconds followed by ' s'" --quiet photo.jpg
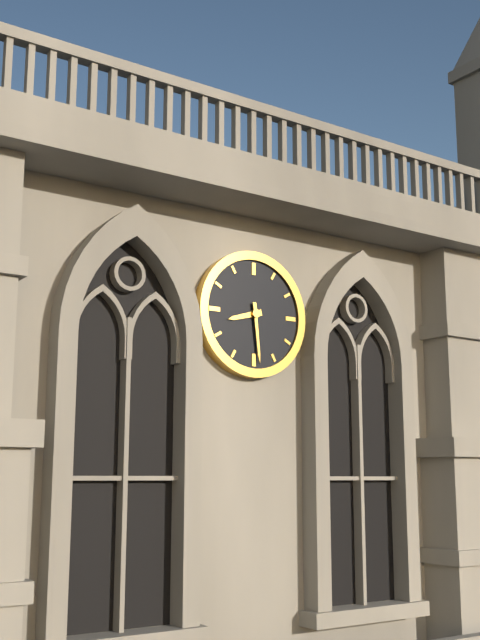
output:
8 h 29 min
